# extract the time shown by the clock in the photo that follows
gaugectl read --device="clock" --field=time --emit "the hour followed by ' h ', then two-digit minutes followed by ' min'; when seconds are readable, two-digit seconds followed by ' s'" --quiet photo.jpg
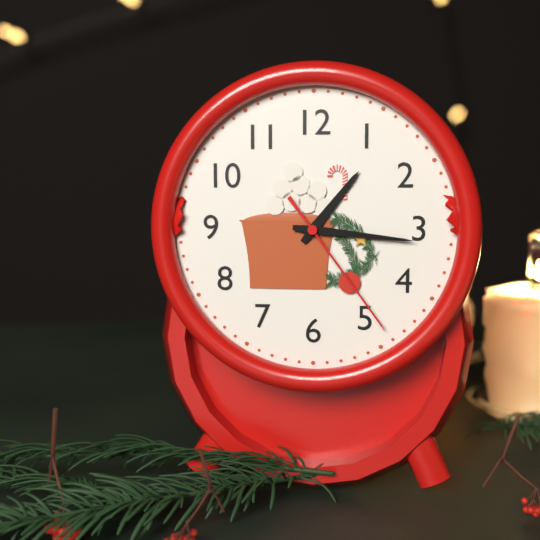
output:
1 h 16 min 24 s
